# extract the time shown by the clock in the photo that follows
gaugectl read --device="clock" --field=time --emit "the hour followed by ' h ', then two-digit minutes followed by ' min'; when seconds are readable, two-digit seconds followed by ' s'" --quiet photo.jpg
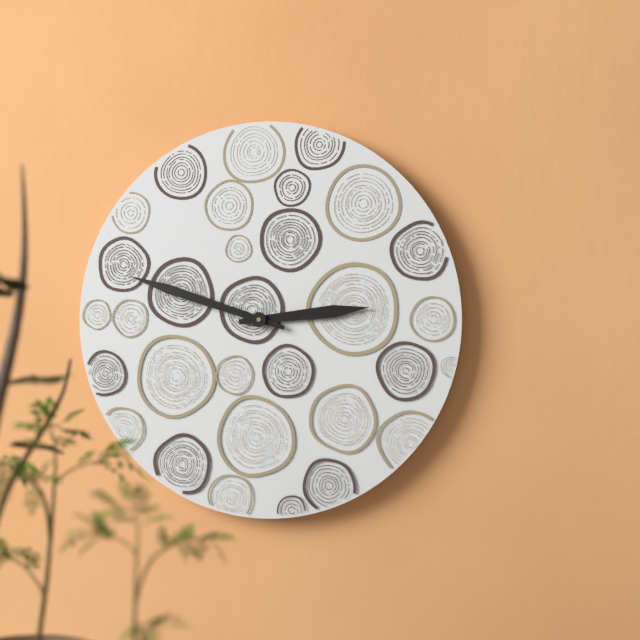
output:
2 h 48 min
